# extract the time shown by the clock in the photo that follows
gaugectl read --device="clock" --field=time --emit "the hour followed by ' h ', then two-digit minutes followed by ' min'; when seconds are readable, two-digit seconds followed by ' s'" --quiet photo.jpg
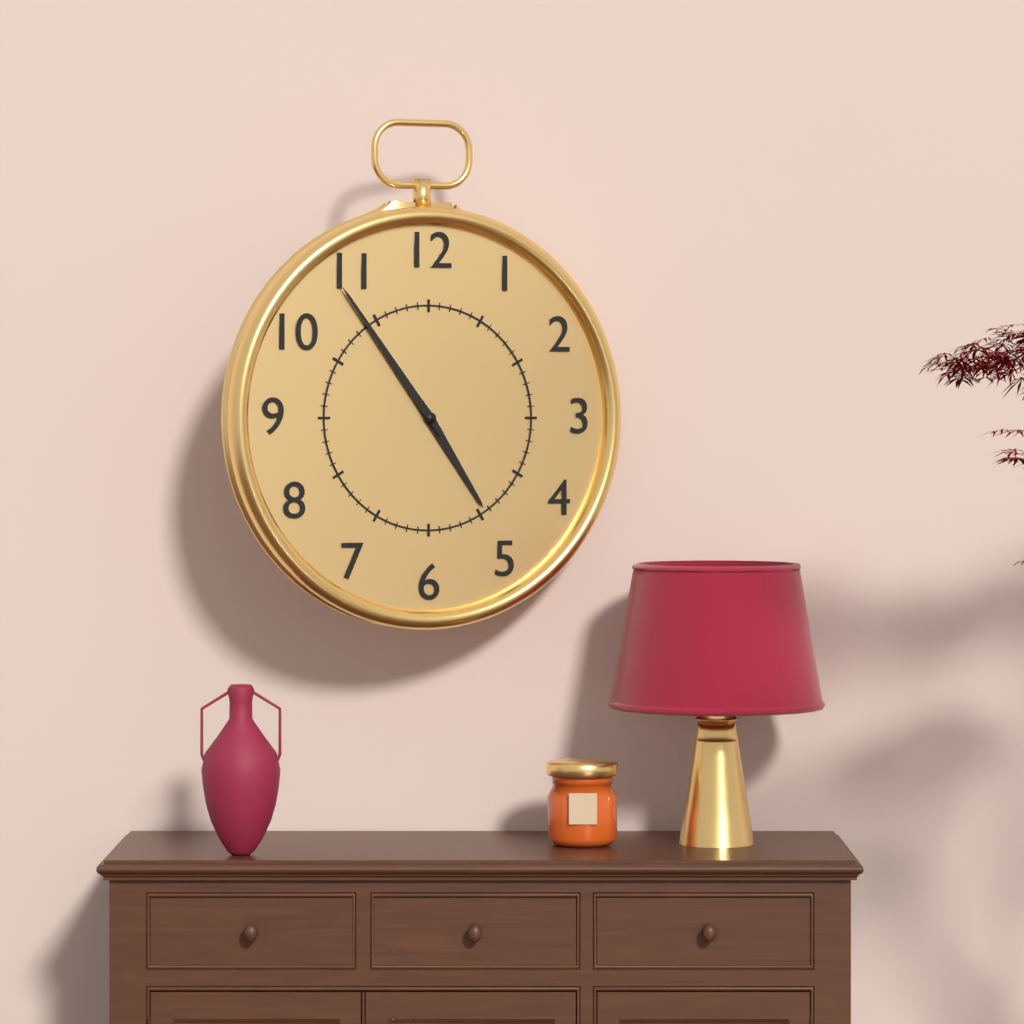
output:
4 h 54 min
